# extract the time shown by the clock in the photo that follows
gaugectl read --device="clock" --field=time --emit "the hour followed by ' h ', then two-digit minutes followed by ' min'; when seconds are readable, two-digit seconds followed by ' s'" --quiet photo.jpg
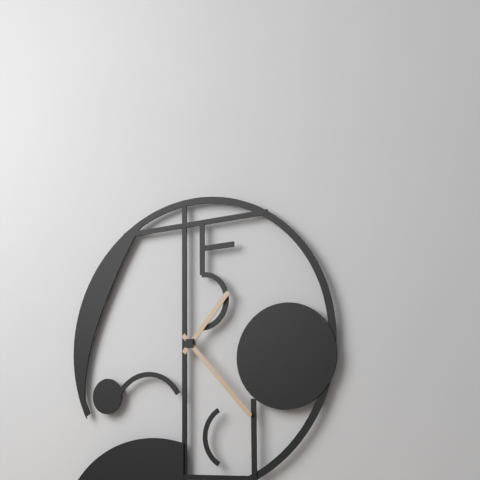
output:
1 h 23 min
